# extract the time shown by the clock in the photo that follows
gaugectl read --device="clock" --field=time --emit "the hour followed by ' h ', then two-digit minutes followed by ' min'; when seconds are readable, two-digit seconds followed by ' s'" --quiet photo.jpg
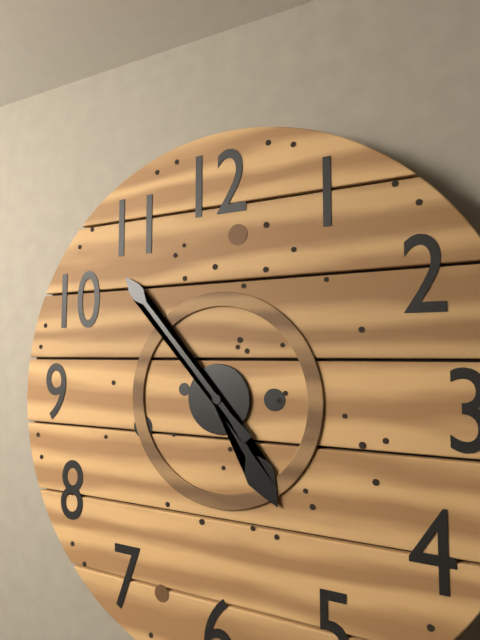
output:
4 h 53 min
